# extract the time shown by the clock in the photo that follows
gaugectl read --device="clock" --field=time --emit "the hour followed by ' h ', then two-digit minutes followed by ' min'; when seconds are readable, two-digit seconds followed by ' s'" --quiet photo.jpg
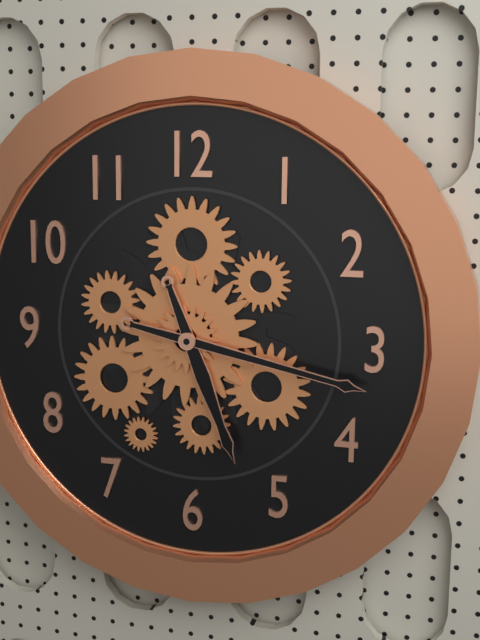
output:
5 h 17 min
